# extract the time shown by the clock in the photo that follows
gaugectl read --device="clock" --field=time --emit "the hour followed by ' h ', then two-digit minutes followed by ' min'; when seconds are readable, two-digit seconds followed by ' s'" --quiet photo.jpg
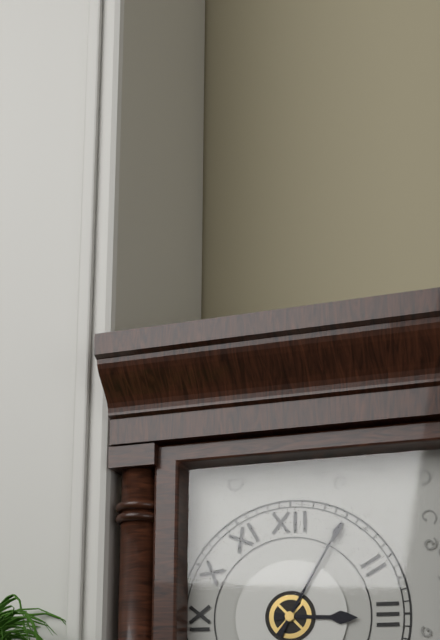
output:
3 h 05 min
